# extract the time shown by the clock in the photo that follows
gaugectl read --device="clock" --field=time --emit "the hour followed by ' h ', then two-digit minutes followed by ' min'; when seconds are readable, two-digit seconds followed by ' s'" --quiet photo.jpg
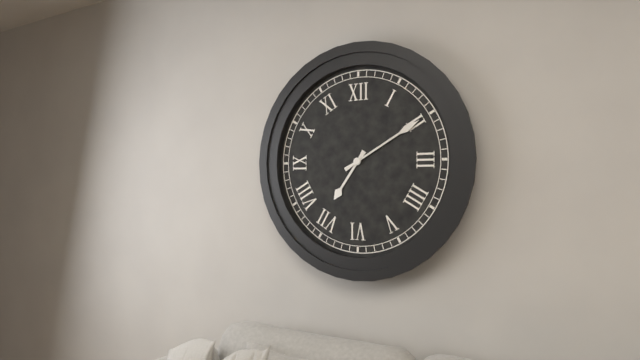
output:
7 h 10 min
